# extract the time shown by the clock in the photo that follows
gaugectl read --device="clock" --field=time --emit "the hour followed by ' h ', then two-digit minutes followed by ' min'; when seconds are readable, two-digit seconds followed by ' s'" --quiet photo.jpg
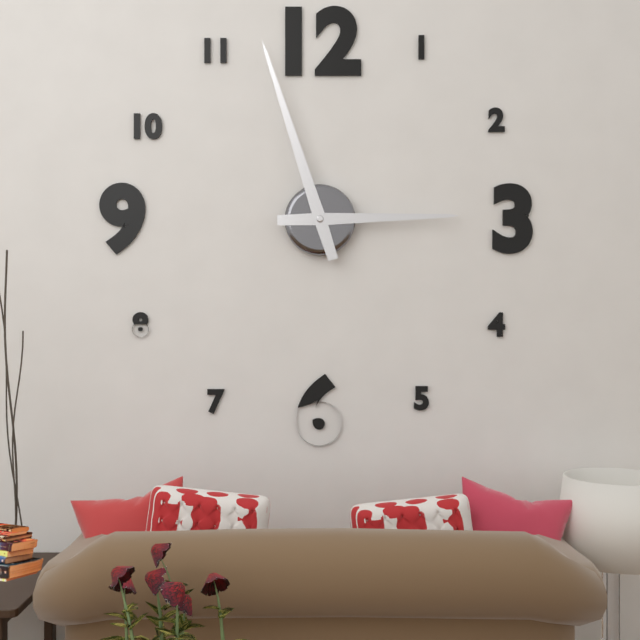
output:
2 h 57 min
